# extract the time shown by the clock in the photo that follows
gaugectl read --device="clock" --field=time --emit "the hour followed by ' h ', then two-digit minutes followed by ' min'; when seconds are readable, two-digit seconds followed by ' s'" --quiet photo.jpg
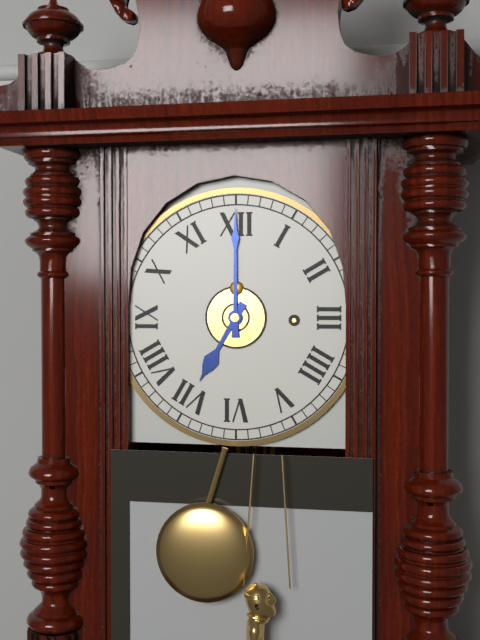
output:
7 h 00 min
